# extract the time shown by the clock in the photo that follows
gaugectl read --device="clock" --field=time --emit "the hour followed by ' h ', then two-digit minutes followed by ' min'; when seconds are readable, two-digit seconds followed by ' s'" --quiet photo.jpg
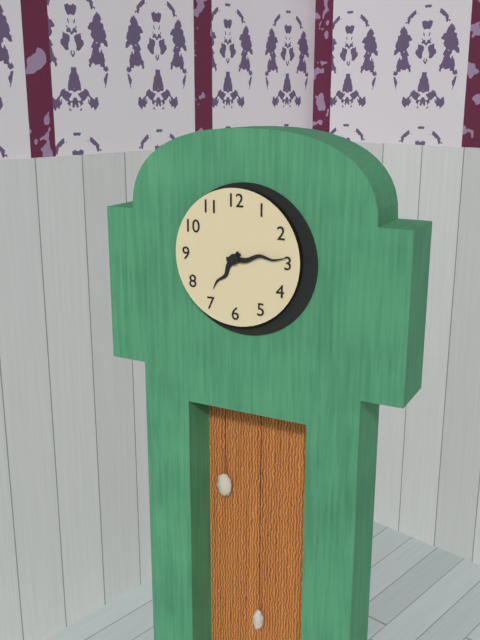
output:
7 h 14 min
